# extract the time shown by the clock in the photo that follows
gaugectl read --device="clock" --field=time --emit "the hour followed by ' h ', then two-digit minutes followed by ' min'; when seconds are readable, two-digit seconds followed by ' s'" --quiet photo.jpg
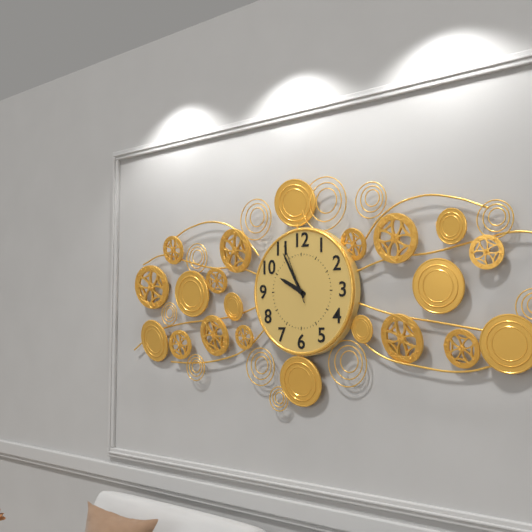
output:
9 h 55 min 56 s
